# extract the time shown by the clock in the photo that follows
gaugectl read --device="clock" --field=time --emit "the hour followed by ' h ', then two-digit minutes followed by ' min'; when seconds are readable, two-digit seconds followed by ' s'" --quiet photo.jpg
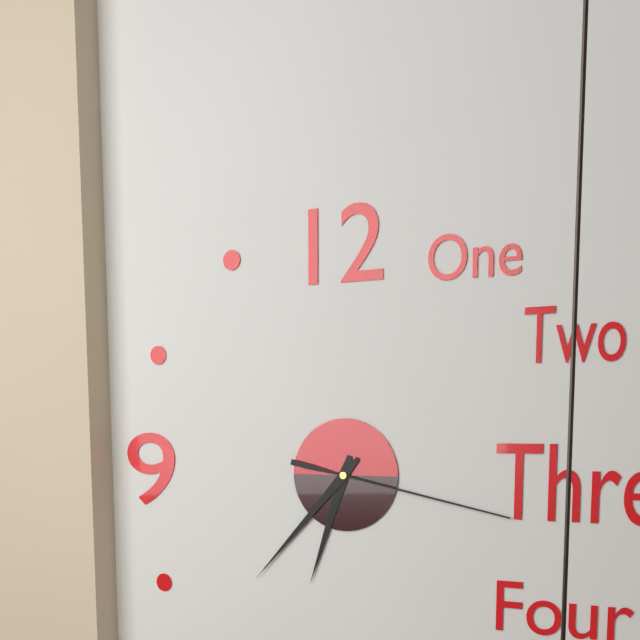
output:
6 h 37 min 17 s
